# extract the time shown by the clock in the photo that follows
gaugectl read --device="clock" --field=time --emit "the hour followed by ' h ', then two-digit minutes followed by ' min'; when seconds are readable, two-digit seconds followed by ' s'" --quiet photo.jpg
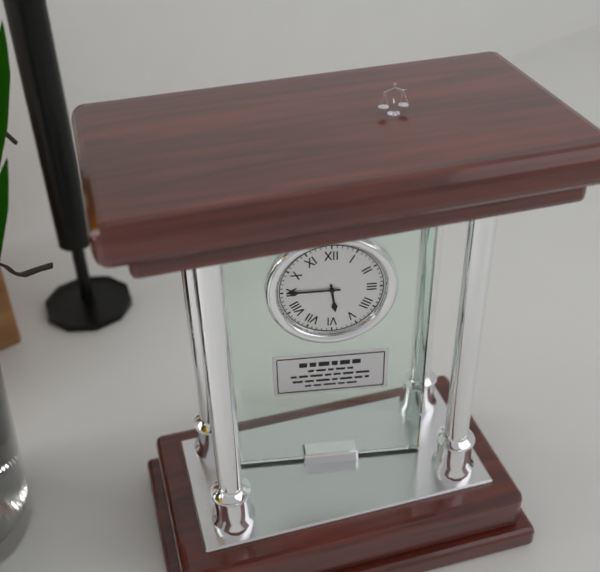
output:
5 h 45 min
